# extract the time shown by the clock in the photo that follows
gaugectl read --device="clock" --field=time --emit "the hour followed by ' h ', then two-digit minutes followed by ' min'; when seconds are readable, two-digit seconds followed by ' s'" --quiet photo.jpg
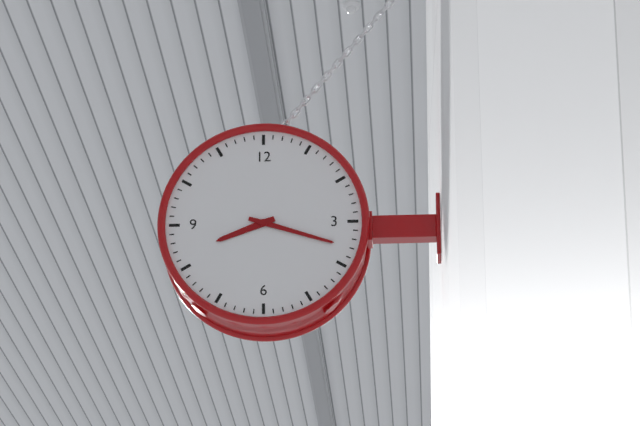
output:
8 h 18 min
